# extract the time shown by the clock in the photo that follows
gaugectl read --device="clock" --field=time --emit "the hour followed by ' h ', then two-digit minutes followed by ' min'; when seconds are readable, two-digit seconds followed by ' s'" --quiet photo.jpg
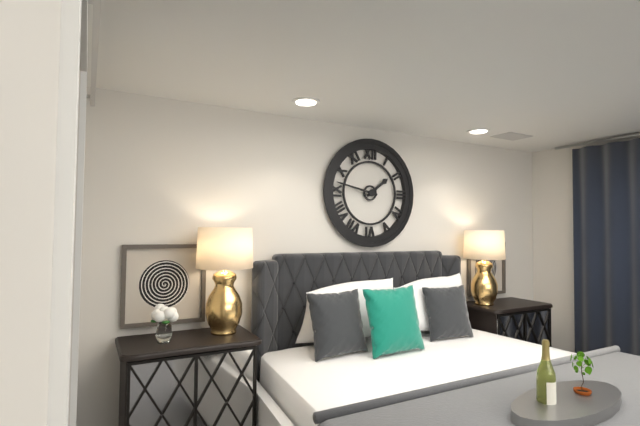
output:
1 h 47 min
